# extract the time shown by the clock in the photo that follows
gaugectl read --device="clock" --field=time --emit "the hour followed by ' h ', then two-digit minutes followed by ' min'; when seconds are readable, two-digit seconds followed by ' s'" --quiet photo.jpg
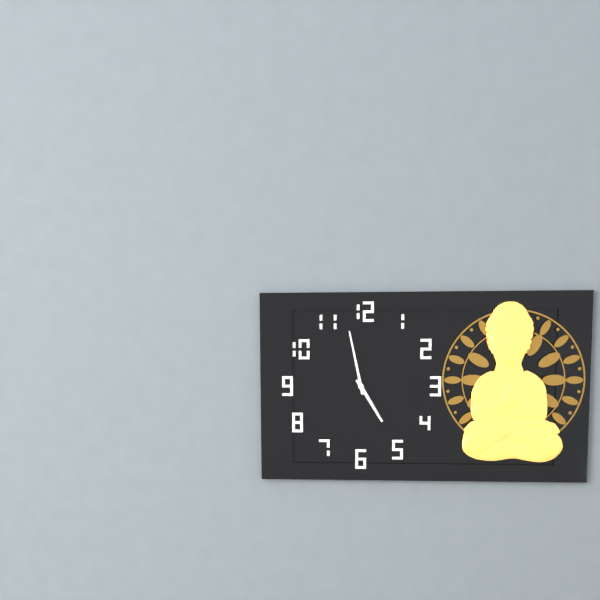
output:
4 h 58 min
